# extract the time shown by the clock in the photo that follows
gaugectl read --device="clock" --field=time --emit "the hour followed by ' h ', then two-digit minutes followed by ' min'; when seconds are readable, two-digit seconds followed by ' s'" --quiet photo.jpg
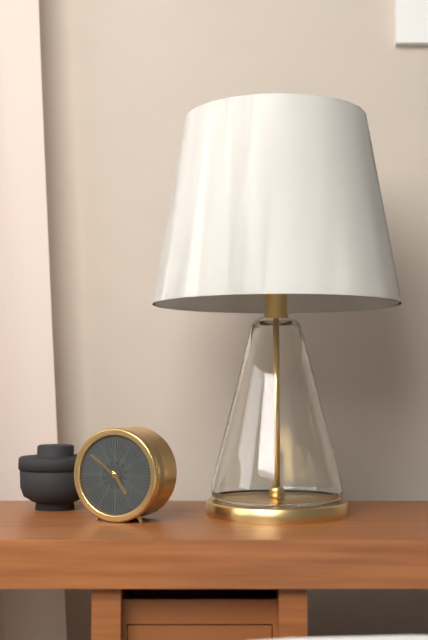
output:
4 h 51 min
